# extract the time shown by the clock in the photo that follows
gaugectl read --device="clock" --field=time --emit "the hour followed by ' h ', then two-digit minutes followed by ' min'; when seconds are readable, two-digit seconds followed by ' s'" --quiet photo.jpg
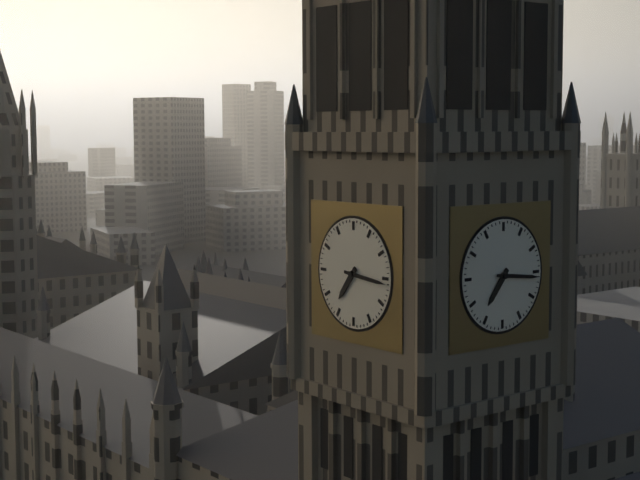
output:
7 h 16 min
